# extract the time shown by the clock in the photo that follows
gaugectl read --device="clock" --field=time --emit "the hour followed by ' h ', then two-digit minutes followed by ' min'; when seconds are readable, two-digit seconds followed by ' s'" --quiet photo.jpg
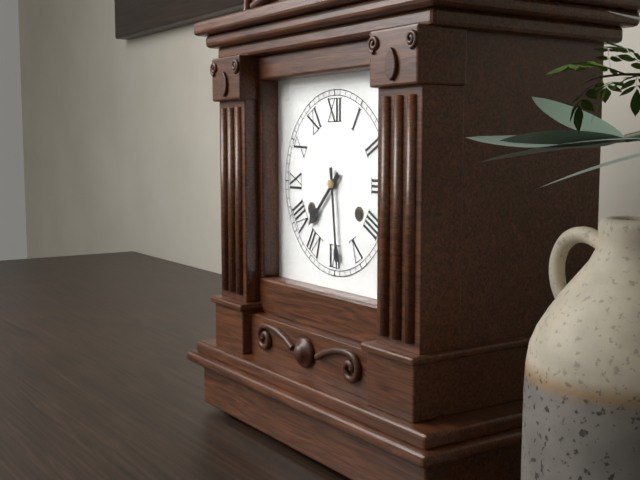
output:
7 h 29 min
